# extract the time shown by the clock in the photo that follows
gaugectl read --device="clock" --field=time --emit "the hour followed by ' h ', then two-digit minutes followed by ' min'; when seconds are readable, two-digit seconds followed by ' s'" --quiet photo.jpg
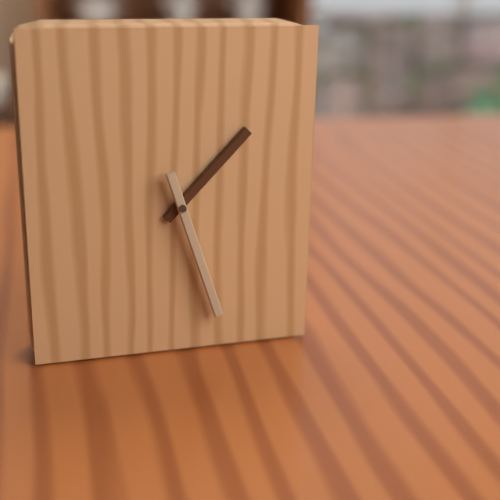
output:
1 h 27 min
